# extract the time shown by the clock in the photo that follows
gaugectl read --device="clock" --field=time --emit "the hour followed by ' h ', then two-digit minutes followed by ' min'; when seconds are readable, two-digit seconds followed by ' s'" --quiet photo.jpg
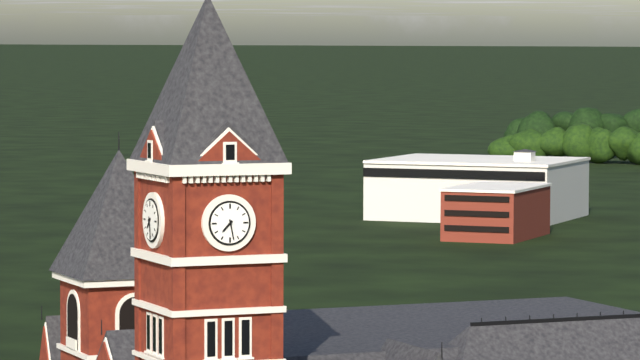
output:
7 h 28 min
